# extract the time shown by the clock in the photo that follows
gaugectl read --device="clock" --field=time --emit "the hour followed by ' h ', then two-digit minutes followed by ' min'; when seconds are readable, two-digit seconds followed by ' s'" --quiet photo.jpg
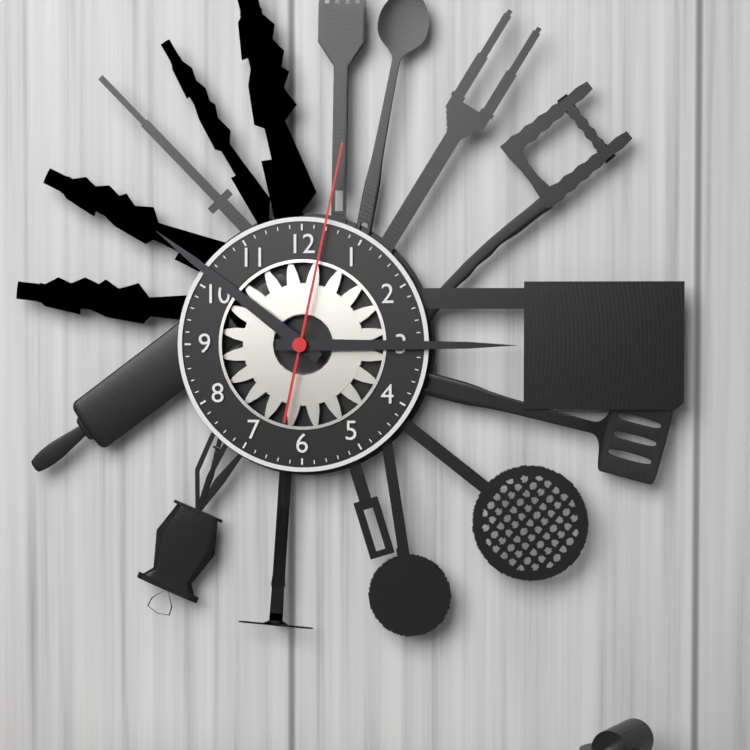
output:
10 h 15 min 02 s
